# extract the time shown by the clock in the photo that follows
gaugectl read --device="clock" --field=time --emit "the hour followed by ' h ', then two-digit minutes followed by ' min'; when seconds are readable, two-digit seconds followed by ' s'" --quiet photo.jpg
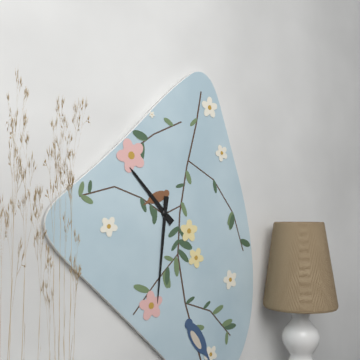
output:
10 h 31 min
